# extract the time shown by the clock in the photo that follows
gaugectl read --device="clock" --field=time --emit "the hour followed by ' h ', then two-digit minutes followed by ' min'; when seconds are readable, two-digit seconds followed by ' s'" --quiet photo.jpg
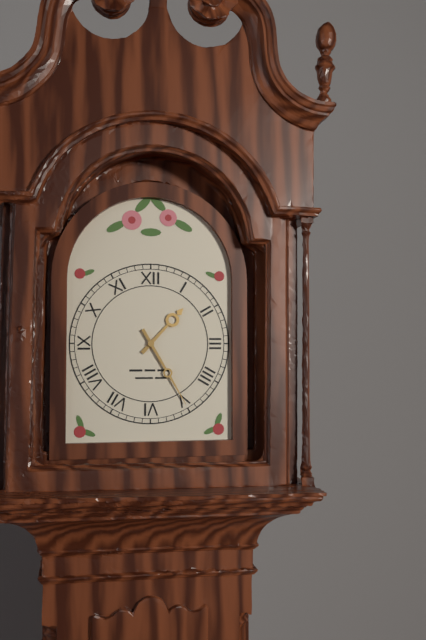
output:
1 h 25 min
